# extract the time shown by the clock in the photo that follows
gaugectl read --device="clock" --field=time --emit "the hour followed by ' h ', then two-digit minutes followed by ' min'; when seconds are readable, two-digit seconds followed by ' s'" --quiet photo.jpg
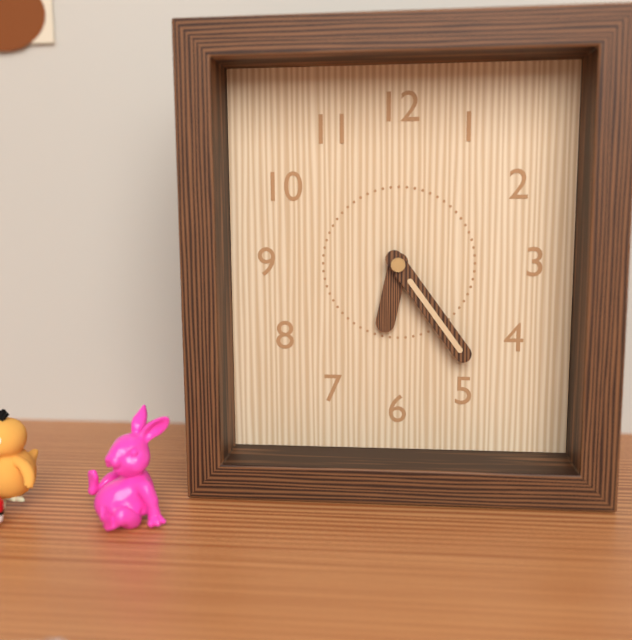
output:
6 h 24 min
